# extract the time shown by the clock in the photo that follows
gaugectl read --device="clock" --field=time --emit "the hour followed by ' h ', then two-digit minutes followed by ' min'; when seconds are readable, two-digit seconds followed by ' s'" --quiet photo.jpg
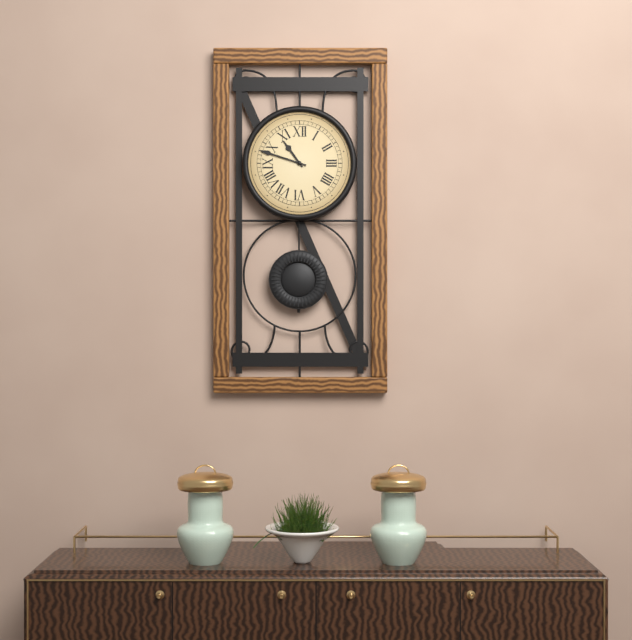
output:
10 h 48 min
